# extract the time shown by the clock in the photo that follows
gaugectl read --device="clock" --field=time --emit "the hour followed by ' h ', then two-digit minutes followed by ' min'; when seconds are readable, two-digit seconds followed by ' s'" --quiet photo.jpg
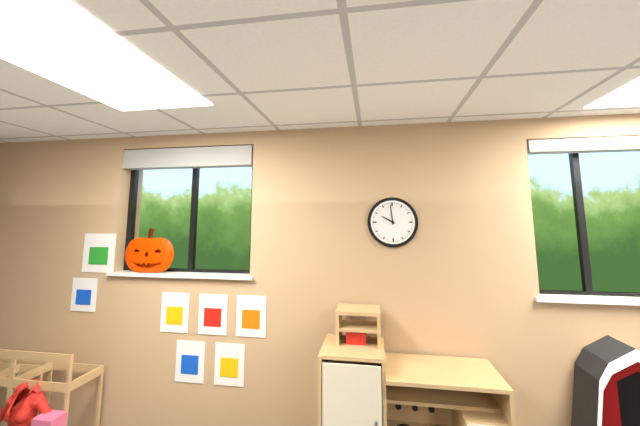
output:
9 h 59 min
